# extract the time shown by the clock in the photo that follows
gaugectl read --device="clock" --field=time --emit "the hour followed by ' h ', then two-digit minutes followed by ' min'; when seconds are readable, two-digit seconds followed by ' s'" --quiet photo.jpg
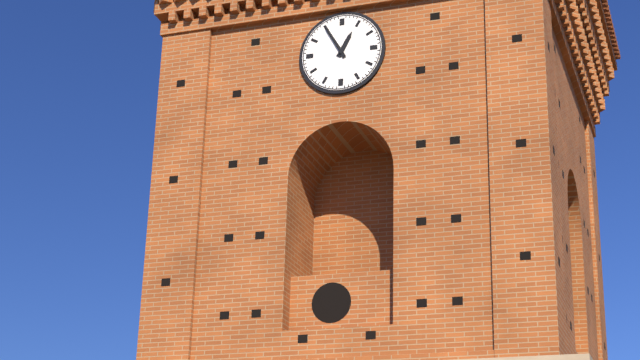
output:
12 h 55 min
